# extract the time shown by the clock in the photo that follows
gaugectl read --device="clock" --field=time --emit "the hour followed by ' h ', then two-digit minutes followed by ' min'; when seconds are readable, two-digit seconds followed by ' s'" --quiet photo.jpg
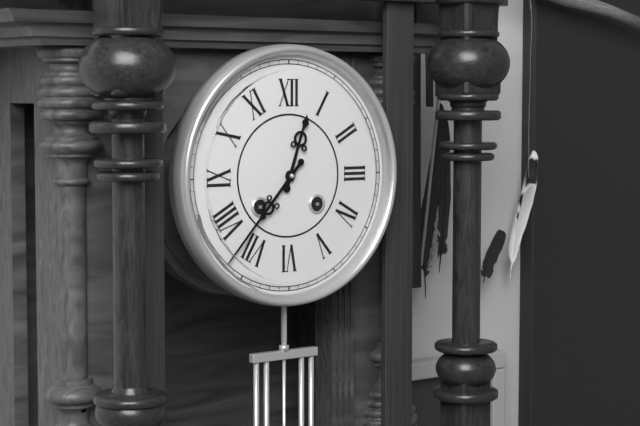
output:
12 h 37 min
